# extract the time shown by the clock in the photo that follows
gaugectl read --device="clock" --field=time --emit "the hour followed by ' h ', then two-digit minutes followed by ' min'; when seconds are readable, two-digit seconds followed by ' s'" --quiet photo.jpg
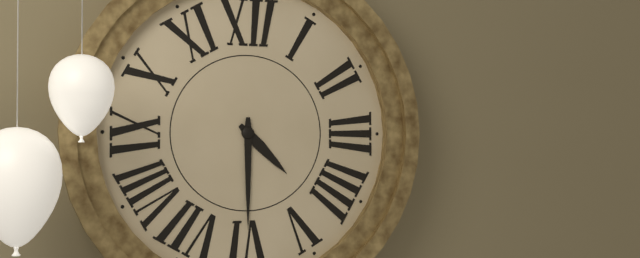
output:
4 h 30 min
